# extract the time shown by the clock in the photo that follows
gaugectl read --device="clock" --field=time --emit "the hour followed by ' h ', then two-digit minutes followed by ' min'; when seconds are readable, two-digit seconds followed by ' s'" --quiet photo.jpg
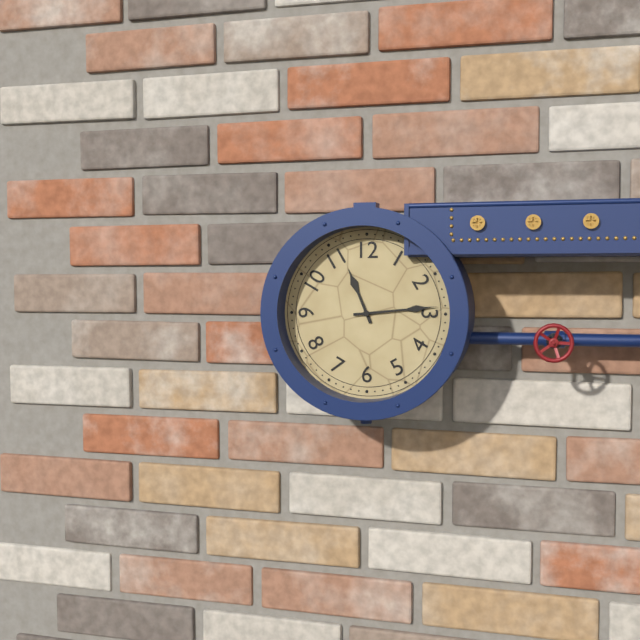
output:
11 h 14 min
